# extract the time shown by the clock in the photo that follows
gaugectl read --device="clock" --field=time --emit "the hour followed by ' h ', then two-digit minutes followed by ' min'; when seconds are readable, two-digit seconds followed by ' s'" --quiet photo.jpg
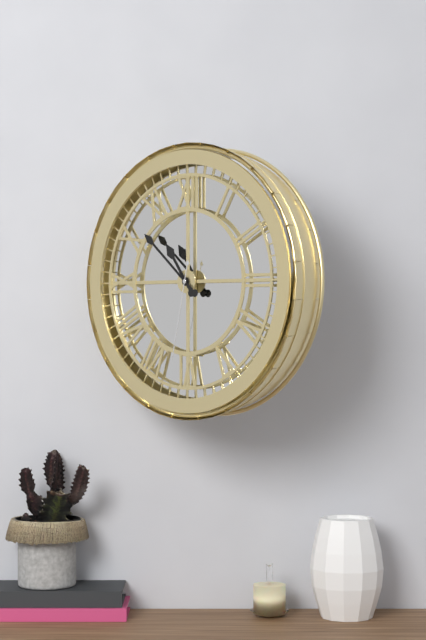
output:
10 h 52 min 32 s
